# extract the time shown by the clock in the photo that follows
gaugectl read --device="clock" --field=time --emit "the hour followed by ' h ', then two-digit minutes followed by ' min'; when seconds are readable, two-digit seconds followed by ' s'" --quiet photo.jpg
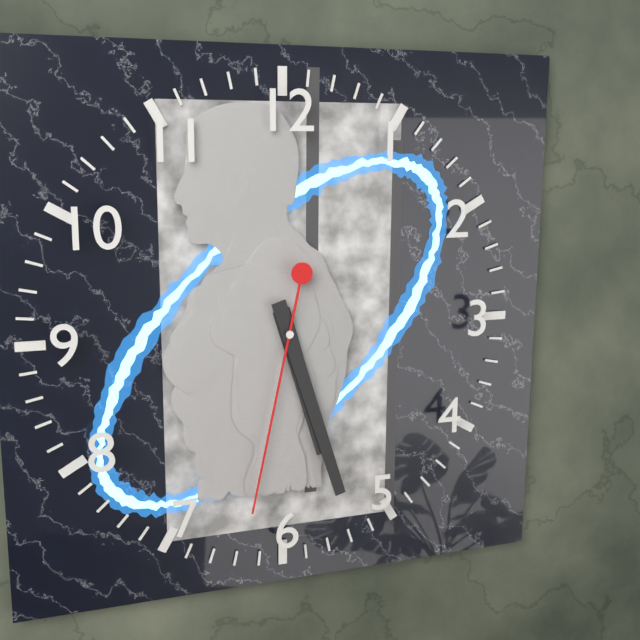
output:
5 h 27 min 32 s
